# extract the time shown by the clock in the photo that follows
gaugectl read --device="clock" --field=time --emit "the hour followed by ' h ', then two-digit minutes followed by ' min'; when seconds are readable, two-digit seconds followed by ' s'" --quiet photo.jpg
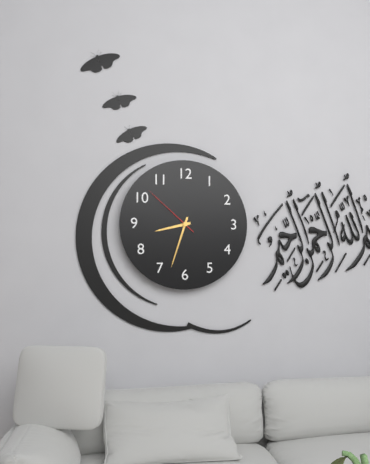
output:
8 h 33 min 52 s
